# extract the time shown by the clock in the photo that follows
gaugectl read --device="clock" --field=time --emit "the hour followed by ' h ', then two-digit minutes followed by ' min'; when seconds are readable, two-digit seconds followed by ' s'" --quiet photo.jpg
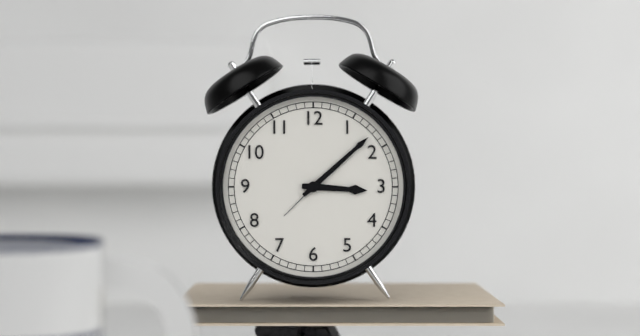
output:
3 h 08 min
